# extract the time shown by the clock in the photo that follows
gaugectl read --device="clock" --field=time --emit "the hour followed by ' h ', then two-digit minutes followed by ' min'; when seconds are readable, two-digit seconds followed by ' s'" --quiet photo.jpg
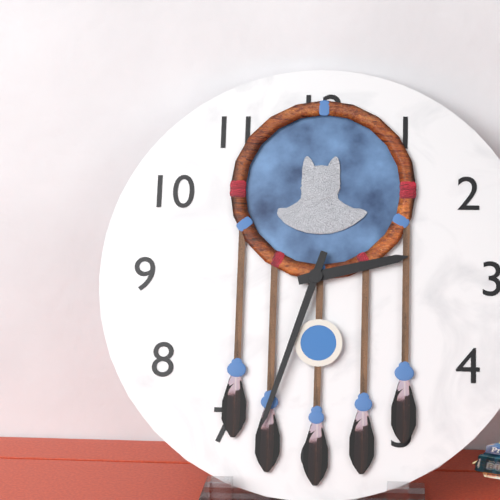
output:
2 h 33 min
